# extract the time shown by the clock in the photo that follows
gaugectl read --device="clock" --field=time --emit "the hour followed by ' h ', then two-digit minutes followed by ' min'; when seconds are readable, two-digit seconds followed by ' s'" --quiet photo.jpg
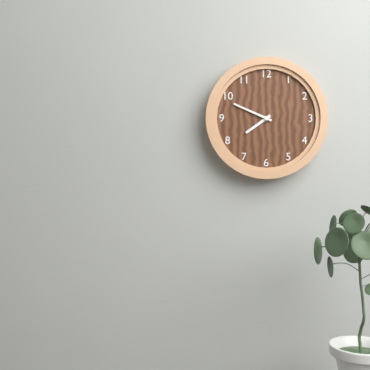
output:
7 h 49 min
